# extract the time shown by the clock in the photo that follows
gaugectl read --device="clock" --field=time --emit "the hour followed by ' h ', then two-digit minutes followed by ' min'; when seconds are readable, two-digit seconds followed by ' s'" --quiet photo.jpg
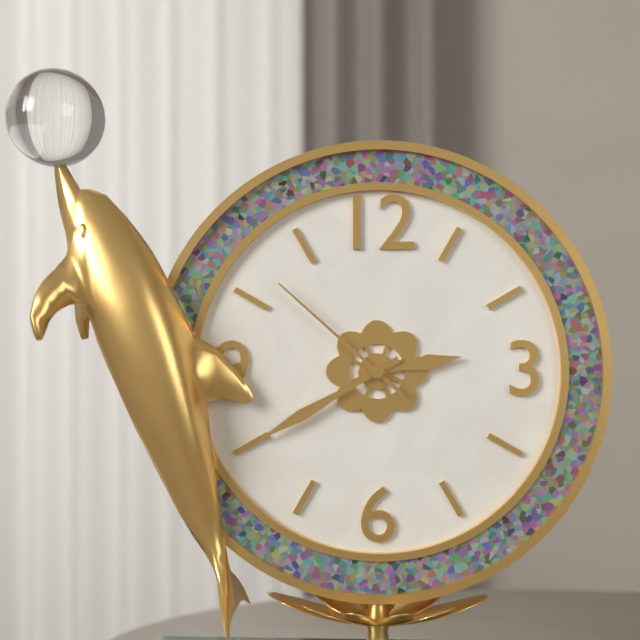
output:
2 h 40 min 52 s
